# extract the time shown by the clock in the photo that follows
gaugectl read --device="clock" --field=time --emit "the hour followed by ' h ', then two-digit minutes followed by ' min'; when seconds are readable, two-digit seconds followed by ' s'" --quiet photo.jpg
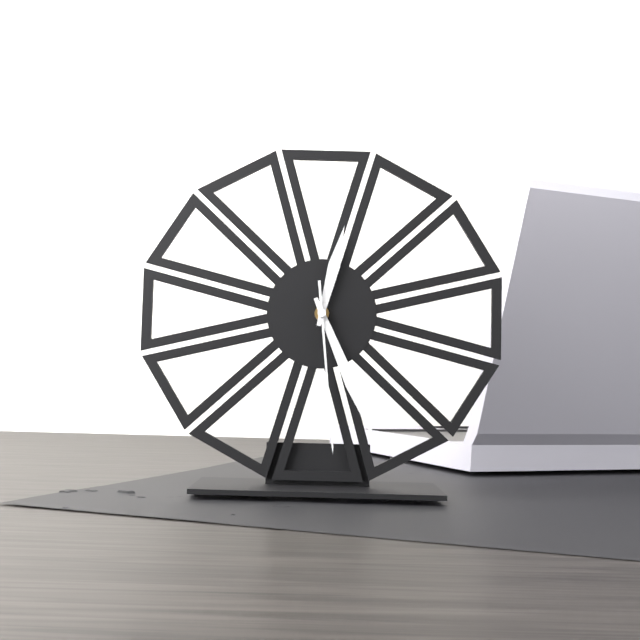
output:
12 h 26 min 29 s
